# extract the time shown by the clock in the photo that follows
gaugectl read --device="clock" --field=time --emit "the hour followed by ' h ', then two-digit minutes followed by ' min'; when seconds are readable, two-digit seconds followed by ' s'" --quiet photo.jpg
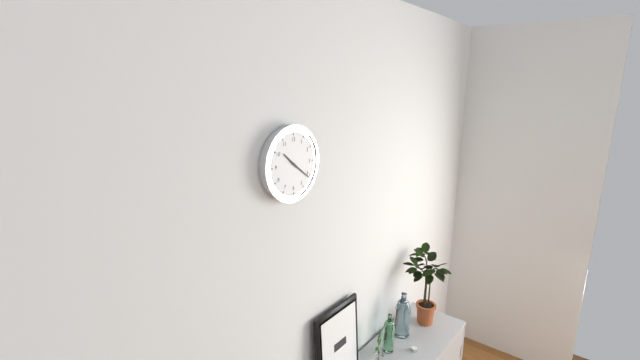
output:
10 h 21 min
